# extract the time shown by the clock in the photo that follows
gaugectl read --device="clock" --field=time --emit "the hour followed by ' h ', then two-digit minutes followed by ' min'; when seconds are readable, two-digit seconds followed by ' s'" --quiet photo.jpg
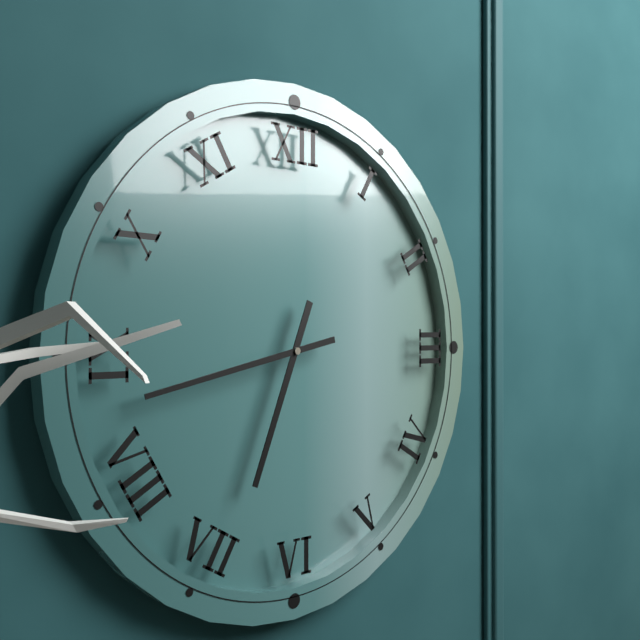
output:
6 h 43 min
